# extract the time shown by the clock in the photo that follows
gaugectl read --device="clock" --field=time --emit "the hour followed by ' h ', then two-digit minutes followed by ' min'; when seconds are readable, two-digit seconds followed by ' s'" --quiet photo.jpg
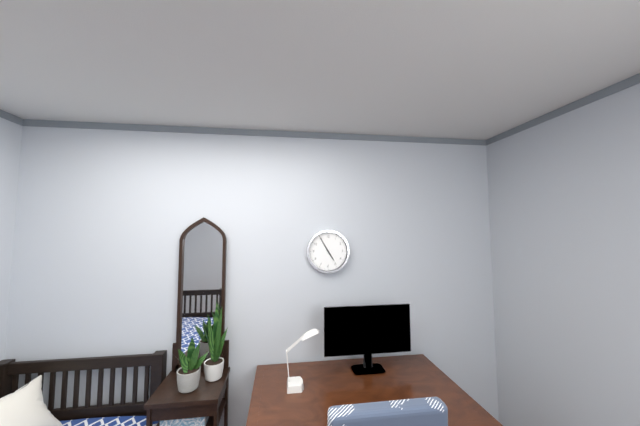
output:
4 h 55 min
